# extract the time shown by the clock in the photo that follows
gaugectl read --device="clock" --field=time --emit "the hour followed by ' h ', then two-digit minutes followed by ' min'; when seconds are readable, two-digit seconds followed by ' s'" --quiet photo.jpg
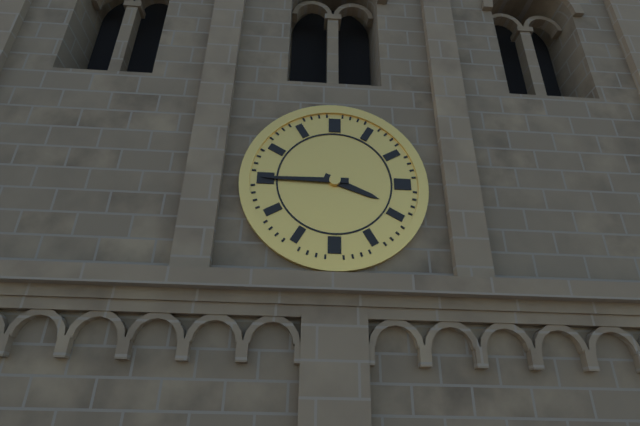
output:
3 h 45 min
